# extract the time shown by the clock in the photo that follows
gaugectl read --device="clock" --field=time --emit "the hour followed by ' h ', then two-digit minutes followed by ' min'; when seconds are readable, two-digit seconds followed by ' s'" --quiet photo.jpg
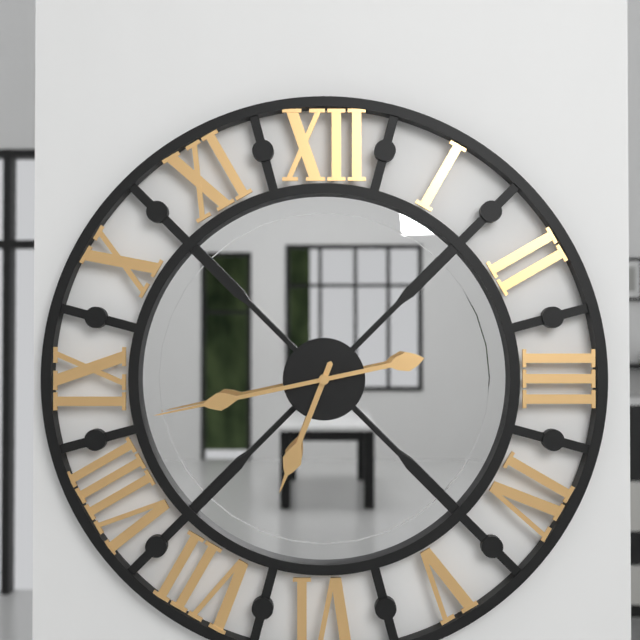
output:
6 h 43 min
